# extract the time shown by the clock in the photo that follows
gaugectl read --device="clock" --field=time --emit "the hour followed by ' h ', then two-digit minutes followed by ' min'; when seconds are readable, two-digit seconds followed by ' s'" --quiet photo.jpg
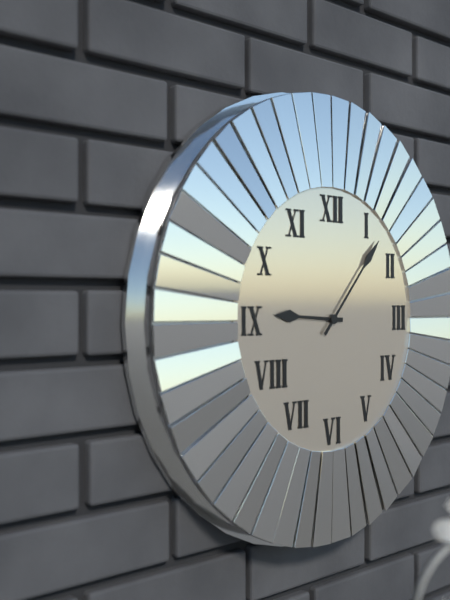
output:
9 h 07 min
